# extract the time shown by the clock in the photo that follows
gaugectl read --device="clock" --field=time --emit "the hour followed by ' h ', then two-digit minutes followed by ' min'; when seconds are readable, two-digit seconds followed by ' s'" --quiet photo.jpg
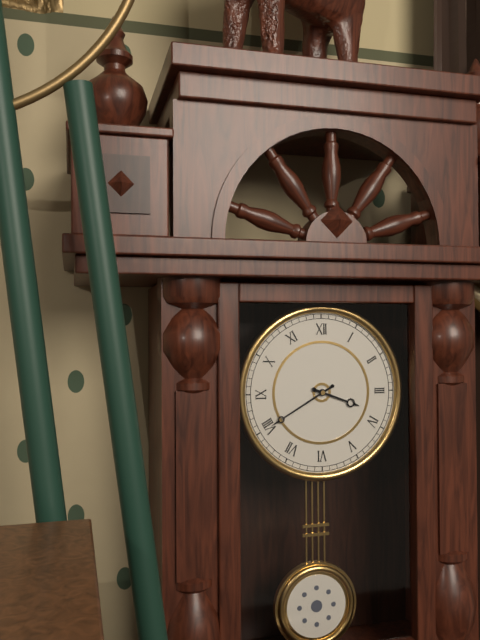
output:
3 h 40 min
